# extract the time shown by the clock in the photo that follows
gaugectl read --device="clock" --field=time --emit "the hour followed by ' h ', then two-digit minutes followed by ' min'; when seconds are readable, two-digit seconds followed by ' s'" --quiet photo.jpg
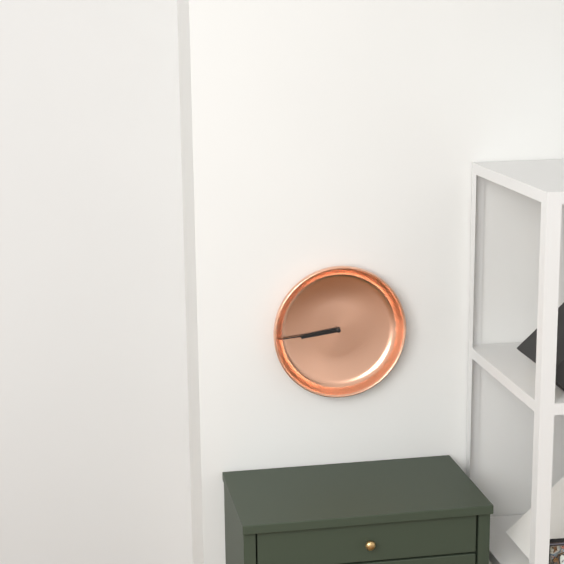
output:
8 h 44 min 44 s
